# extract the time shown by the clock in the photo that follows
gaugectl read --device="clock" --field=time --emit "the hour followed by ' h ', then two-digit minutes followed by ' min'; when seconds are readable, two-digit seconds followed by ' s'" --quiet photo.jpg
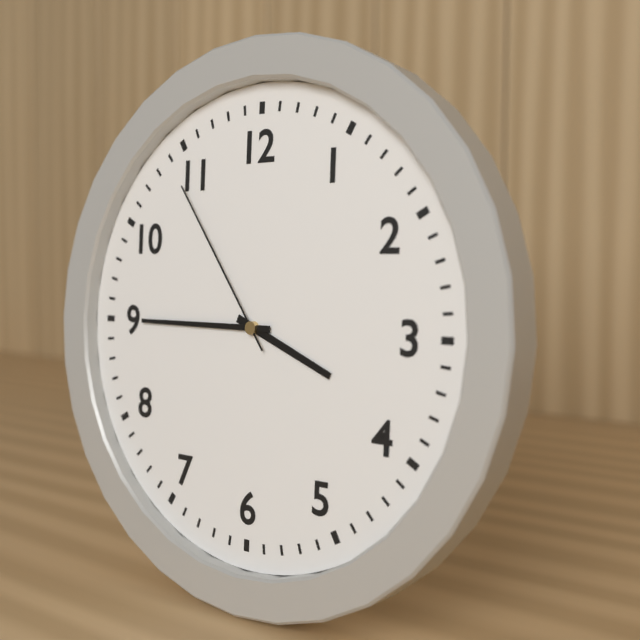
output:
3 h 45 min 54 s
